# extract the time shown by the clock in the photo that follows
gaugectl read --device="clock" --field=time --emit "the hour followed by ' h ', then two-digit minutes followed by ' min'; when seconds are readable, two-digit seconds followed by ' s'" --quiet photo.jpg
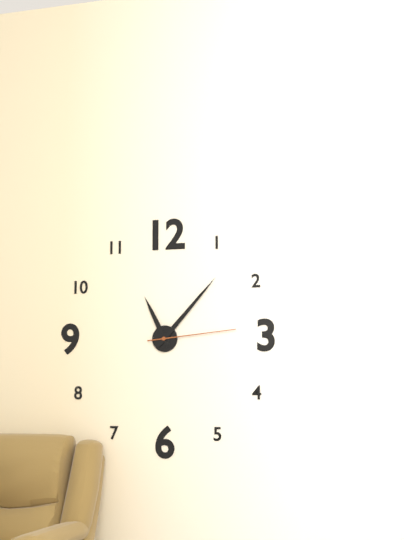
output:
11 h 07 min 14 s
